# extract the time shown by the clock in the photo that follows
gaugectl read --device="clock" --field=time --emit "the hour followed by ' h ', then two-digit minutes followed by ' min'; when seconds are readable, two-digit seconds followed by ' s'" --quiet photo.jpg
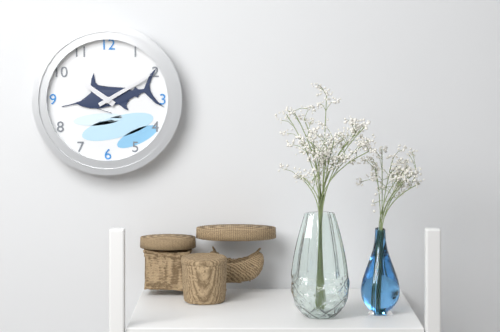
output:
10 h 10 min
